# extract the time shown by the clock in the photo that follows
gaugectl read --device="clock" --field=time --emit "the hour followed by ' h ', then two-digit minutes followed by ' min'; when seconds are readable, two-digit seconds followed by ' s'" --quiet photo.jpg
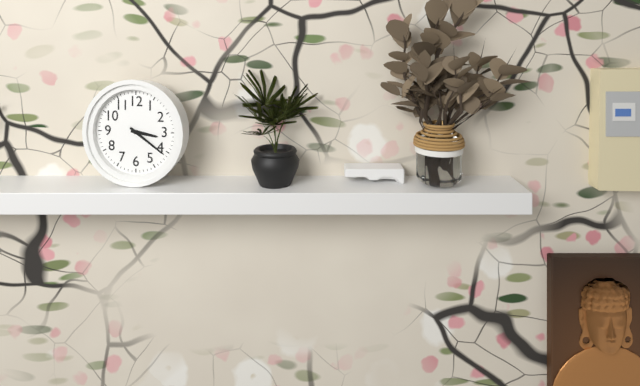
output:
3 h 21 min
